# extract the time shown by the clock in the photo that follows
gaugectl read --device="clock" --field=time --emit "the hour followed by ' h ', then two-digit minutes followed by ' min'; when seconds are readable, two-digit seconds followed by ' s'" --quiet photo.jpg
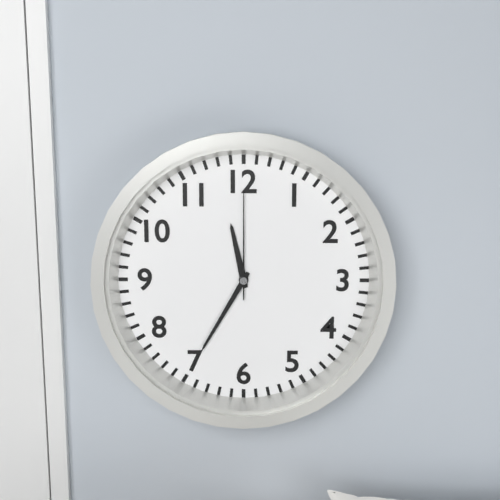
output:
11 h 35 min 00 s
